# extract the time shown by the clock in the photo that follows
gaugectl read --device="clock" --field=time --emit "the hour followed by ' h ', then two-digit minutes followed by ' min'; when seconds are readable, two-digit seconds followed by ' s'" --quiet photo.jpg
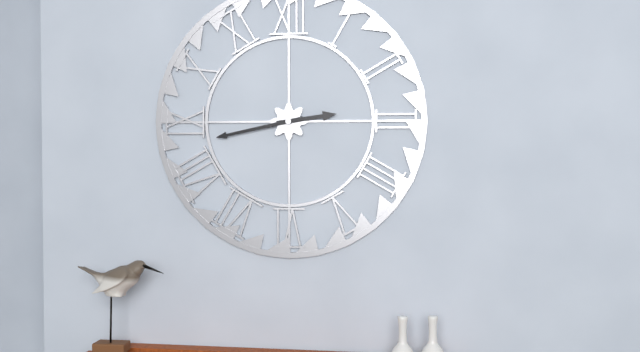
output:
2 h 43 min
